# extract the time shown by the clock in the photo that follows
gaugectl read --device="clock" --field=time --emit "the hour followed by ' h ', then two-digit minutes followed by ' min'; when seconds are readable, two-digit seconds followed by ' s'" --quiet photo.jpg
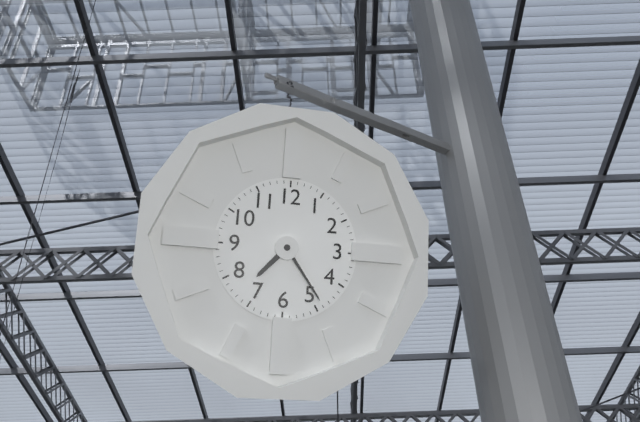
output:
7 h 24 min
